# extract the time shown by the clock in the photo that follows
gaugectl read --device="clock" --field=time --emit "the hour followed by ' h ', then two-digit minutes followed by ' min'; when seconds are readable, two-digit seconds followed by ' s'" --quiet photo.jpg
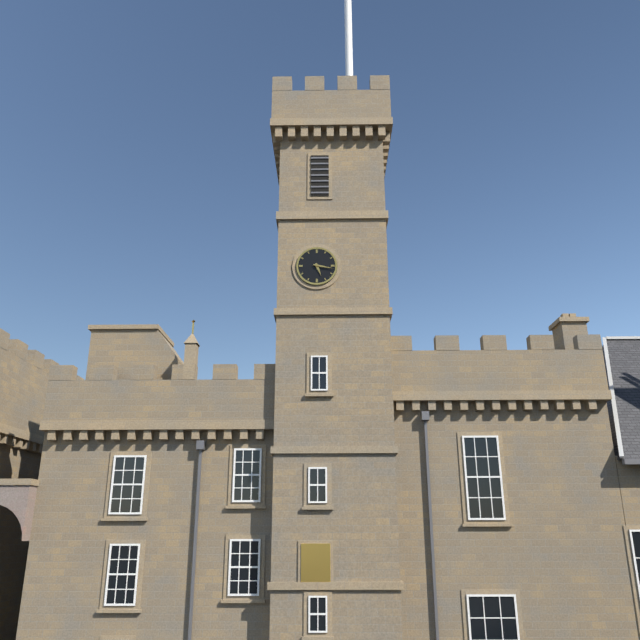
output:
5 h 17 min
